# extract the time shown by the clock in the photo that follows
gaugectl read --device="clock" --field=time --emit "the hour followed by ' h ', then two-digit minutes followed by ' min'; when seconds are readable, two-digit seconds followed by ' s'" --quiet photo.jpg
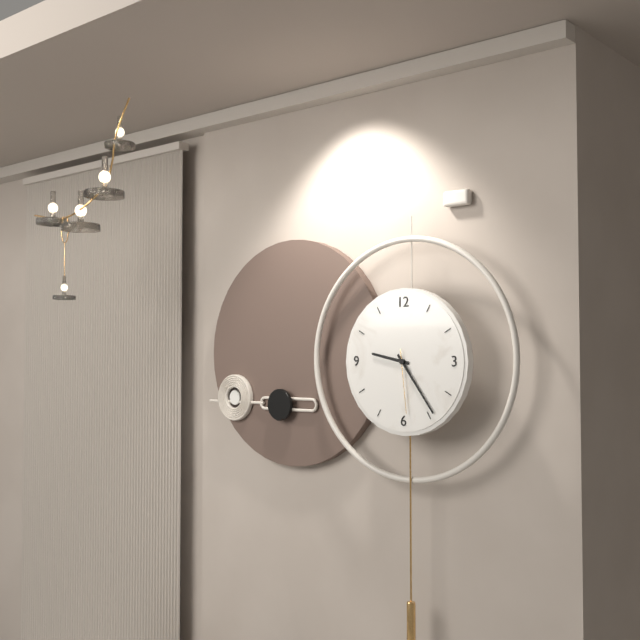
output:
9 h 24 min 29 s
